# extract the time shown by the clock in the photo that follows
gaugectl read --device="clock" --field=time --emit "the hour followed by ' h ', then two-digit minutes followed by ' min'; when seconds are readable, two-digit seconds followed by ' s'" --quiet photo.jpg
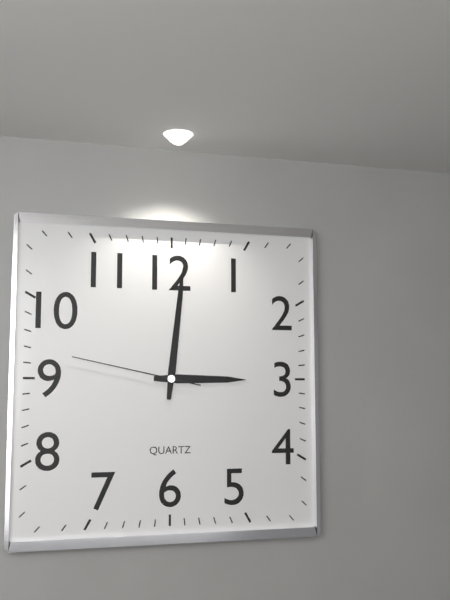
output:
3 h 01 min 47 s
